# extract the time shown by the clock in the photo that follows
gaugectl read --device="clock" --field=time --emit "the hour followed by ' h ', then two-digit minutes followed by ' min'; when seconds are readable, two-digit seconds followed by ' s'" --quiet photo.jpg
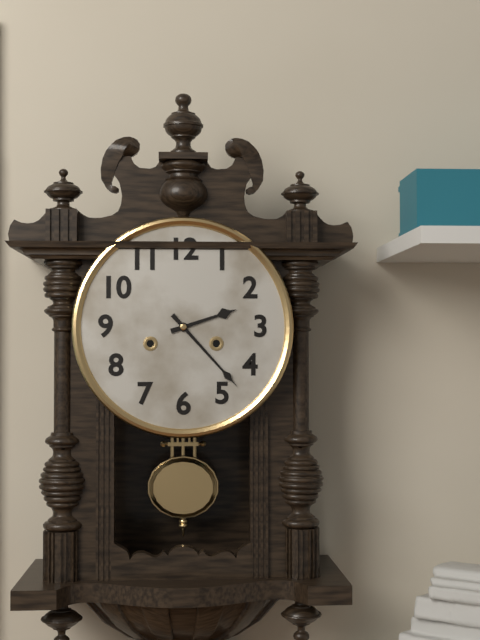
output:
2 h 23 min
